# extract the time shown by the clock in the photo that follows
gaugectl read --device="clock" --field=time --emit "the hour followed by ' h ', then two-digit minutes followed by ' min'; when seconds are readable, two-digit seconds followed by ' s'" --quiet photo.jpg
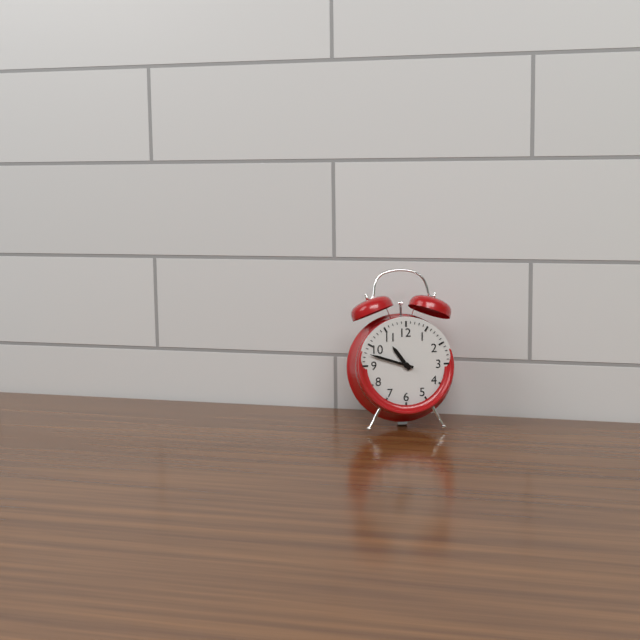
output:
10 h 48 min
